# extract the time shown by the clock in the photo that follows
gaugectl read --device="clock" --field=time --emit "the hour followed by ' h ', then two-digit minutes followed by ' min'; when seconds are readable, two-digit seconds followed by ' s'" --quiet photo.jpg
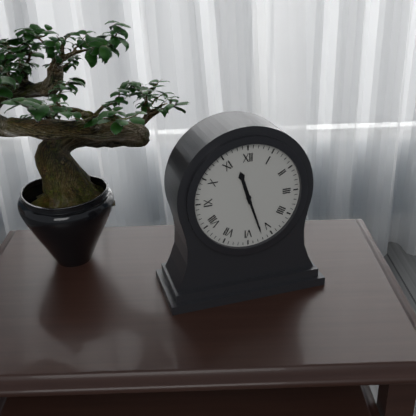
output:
11 h 27 min
